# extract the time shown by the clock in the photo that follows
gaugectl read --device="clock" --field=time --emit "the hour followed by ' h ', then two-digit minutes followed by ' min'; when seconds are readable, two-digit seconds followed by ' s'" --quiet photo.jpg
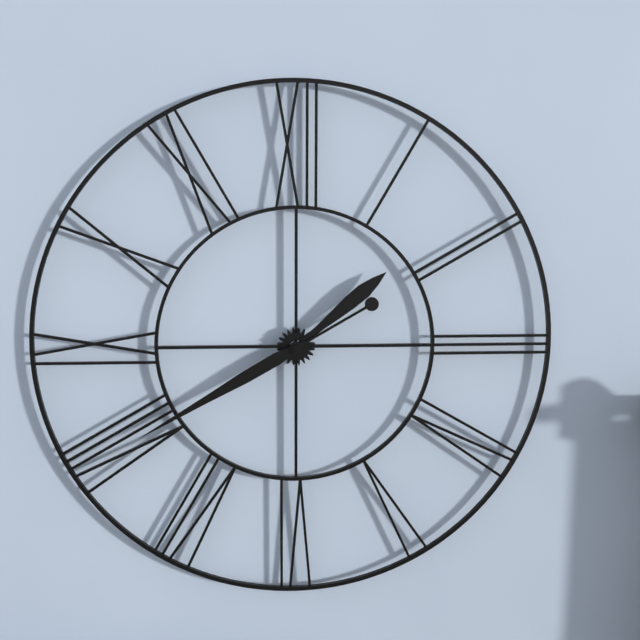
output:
1 h 40 min
